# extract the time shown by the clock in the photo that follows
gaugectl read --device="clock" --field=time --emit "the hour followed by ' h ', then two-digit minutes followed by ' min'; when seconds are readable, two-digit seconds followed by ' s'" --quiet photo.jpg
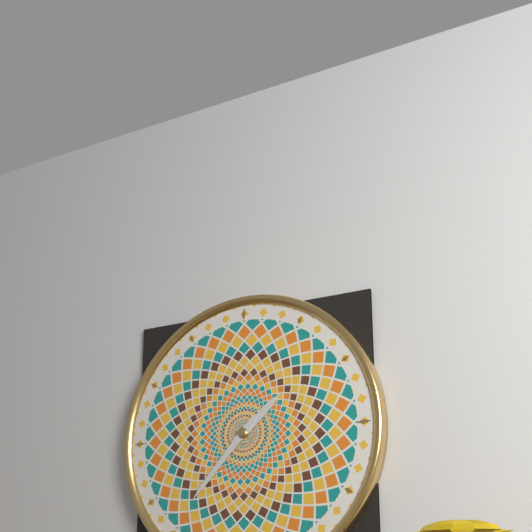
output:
1 h 37 min
